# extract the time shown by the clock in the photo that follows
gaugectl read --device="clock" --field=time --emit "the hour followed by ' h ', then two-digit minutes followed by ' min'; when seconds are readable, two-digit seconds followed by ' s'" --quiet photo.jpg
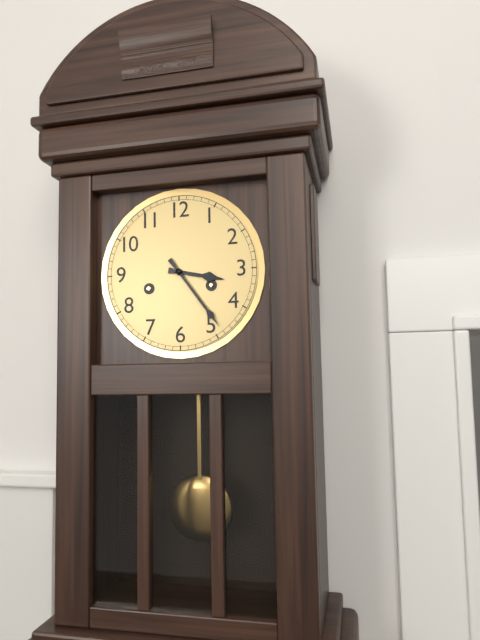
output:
3 h 24 min
